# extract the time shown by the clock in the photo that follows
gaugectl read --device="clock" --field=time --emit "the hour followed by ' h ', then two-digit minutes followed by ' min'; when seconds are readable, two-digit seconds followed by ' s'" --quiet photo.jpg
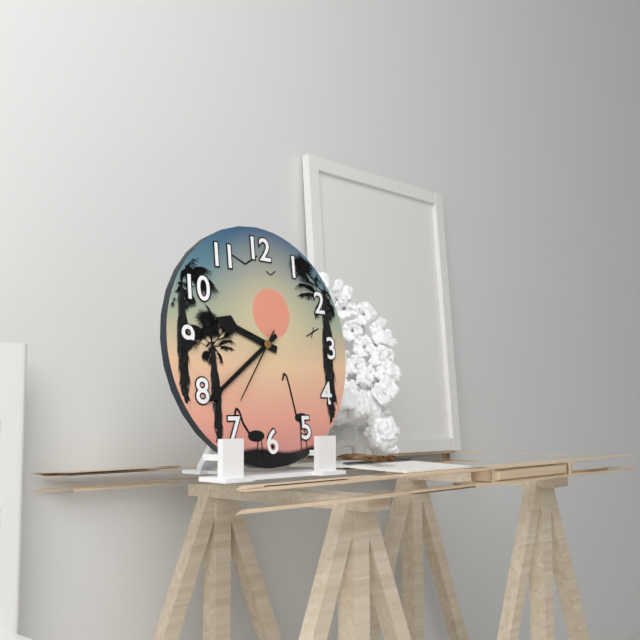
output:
9 h 39 min 36 s
